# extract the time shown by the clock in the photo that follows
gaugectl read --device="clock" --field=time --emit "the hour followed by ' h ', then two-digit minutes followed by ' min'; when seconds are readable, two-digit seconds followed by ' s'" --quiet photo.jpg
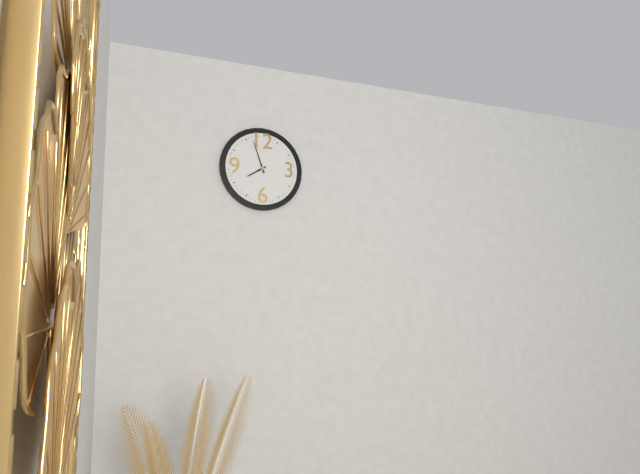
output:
7 h 57 min
